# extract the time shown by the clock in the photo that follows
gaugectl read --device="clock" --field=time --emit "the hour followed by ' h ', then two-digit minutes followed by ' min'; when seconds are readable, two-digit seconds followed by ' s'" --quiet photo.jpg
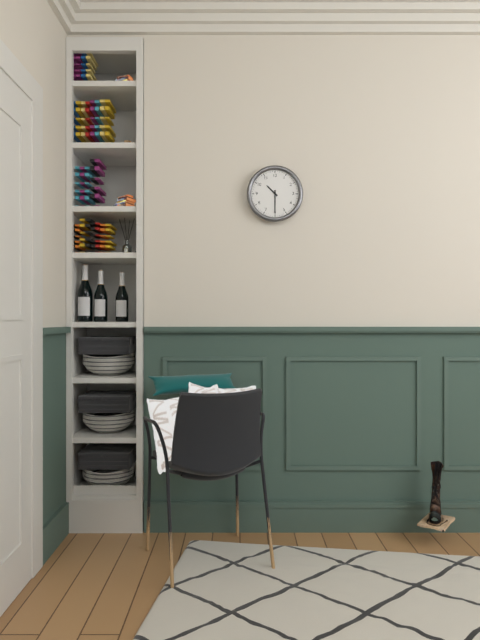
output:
10 h 30 min
